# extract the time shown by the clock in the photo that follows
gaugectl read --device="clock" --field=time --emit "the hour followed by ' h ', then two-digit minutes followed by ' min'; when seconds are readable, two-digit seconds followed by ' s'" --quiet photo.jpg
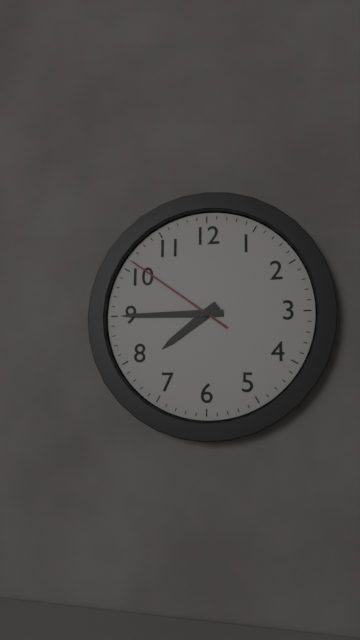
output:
7 h 45 min 51 s
